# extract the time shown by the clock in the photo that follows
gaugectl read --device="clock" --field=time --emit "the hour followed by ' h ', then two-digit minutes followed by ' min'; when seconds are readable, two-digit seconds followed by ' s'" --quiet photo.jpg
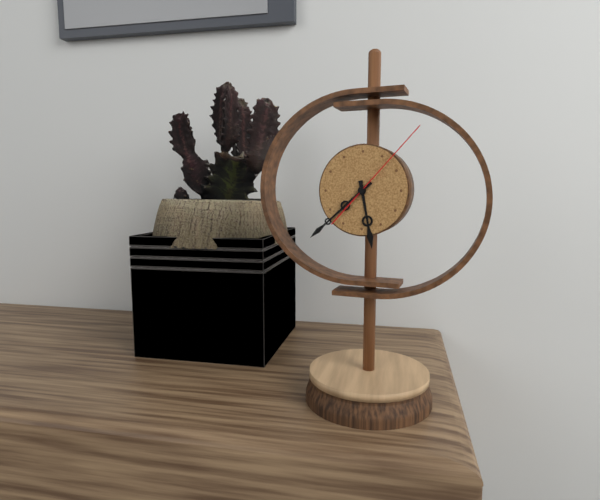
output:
5 h 38 min 07 s
